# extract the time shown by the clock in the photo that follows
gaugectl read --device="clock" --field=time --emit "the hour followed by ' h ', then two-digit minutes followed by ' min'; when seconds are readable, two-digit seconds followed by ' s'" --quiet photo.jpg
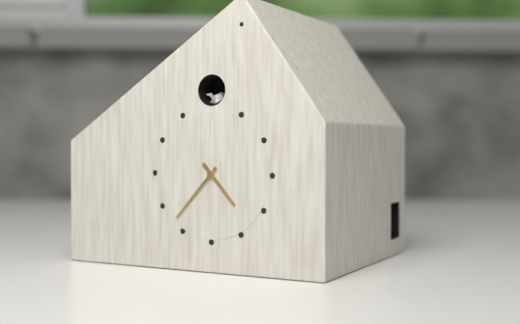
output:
4 h 37 min
